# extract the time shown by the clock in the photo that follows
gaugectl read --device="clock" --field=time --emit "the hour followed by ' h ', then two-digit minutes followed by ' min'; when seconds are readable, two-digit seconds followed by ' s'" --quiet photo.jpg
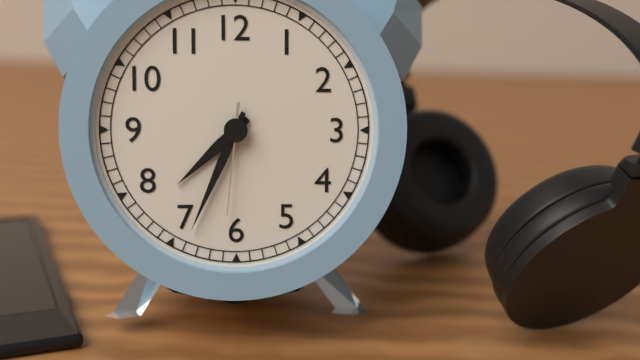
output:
7 h 34 min 31 s
